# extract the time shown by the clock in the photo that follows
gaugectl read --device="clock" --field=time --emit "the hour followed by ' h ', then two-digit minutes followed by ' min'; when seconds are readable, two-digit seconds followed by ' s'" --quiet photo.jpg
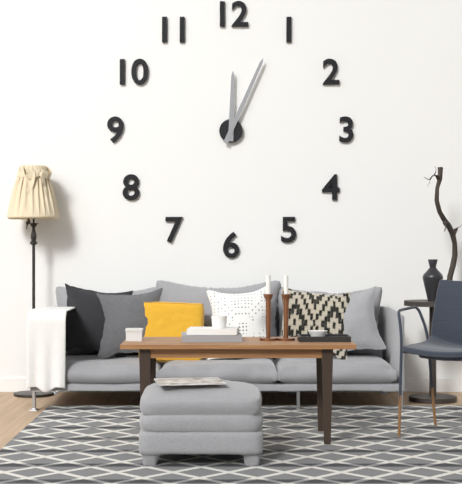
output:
12 h 04 min
